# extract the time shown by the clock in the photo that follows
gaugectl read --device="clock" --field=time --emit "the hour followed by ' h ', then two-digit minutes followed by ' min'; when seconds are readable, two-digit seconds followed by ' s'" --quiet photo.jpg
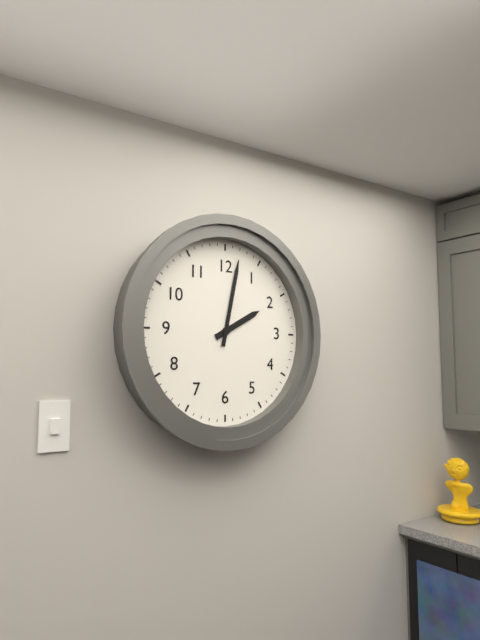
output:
2 h 02 min
